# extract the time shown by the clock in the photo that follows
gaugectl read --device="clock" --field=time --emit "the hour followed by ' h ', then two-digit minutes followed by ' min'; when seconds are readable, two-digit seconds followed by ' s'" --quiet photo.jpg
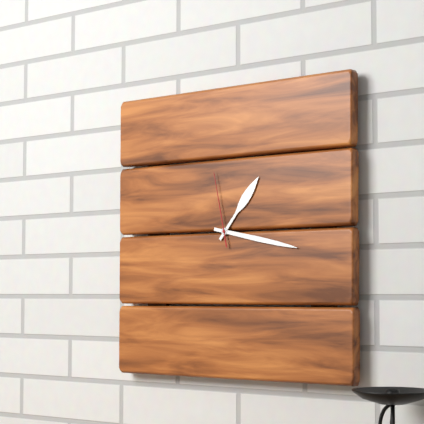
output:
1 h 17 min 58 s
